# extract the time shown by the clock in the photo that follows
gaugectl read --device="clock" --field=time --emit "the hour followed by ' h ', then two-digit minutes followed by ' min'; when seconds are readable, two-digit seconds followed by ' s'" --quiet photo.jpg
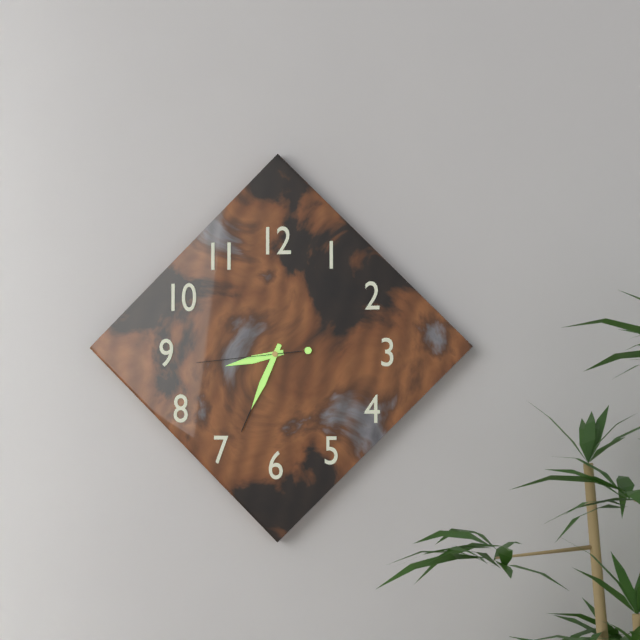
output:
8 h 34 min 44 s
